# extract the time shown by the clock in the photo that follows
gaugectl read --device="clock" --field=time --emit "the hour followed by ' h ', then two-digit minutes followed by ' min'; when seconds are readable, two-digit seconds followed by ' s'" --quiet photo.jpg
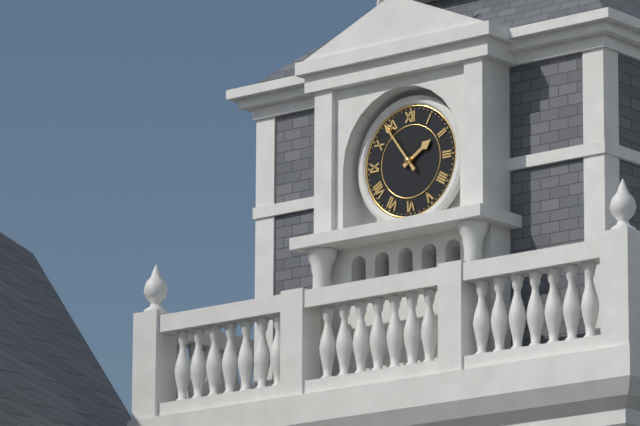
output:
1 h 54 min
